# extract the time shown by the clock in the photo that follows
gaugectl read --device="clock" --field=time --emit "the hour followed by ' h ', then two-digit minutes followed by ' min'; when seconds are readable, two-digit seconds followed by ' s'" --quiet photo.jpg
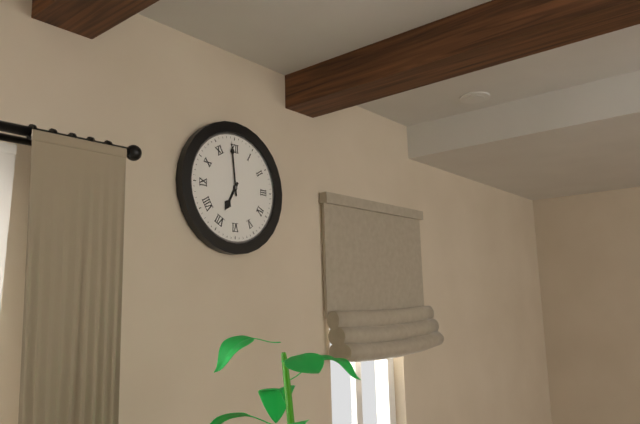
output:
6 h 59 min
